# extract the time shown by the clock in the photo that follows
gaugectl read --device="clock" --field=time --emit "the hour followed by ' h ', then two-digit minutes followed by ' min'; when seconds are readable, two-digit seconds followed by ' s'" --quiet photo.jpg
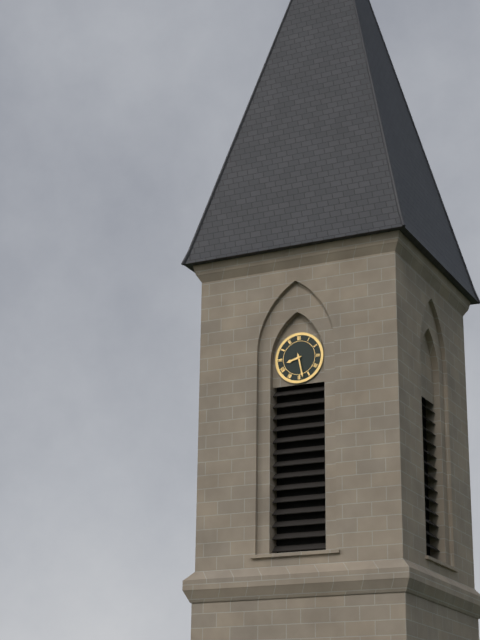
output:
8 h 28 min
